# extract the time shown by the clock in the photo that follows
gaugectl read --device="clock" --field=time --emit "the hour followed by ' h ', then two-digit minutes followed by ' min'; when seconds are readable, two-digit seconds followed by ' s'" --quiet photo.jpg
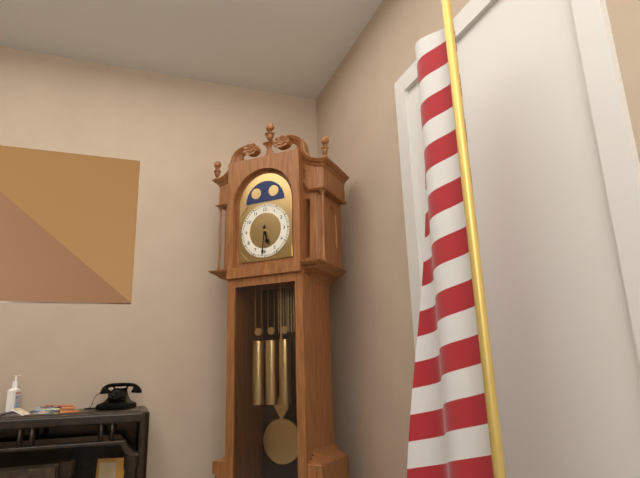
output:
5 h 31 min
